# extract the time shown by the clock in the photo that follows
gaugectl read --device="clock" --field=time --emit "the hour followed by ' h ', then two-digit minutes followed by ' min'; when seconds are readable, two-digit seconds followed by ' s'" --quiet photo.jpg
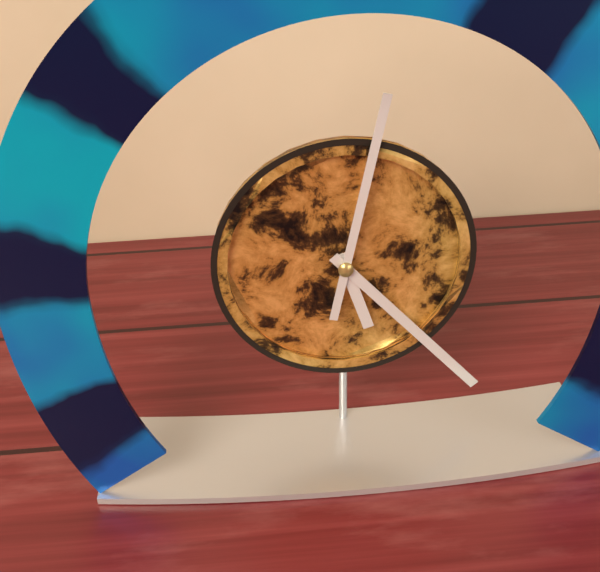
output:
5 h 23 min 02 s
